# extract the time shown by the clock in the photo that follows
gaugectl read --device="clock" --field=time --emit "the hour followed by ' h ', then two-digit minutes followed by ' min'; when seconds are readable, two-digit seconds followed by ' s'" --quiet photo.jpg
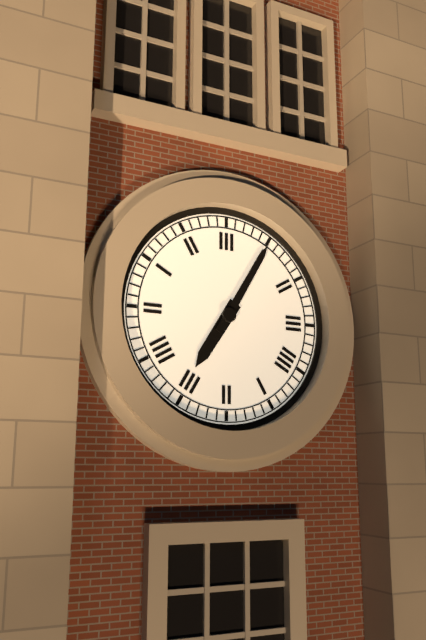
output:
7 h 05 min
